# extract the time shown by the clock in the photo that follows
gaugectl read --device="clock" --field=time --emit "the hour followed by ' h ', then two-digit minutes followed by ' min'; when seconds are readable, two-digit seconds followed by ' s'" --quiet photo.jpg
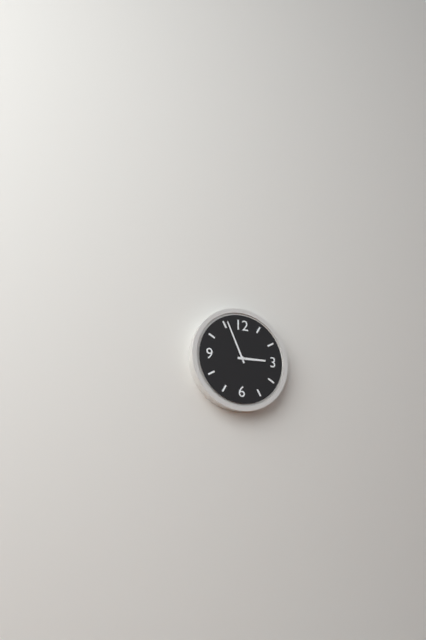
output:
2 h 56 min
